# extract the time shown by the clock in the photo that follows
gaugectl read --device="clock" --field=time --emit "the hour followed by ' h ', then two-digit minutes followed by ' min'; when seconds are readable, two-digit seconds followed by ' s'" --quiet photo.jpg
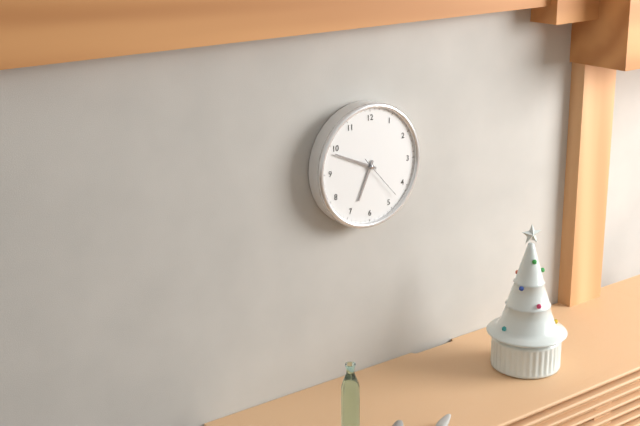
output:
6 h 49 min
